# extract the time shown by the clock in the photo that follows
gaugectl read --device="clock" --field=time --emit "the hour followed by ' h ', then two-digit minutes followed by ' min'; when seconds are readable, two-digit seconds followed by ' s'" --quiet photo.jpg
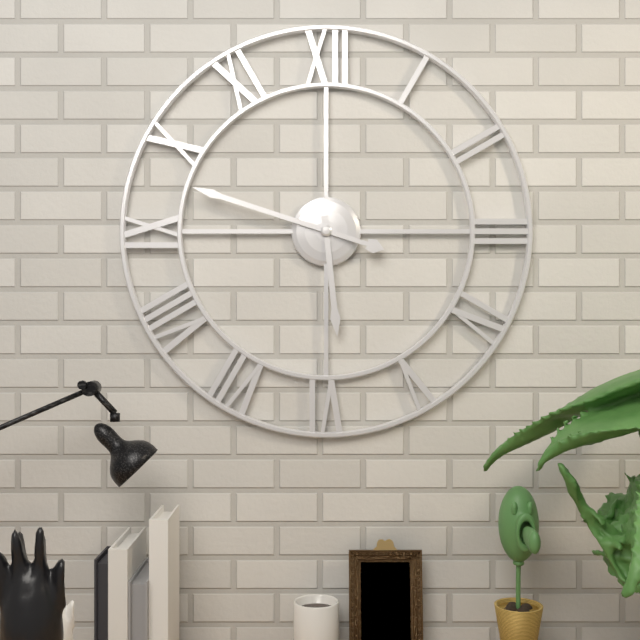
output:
5 h 48 min
